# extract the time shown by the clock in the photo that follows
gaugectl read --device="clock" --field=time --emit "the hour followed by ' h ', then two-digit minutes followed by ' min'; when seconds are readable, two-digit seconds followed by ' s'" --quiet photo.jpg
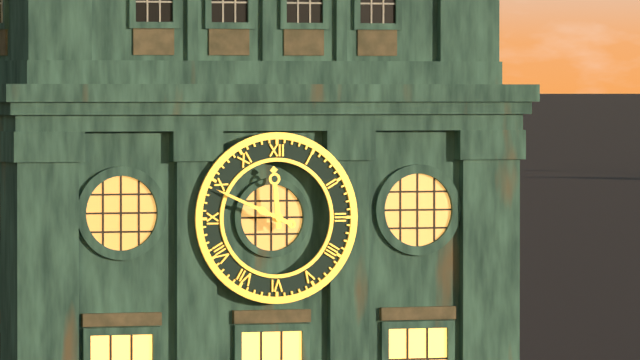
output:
11 h 49 min
